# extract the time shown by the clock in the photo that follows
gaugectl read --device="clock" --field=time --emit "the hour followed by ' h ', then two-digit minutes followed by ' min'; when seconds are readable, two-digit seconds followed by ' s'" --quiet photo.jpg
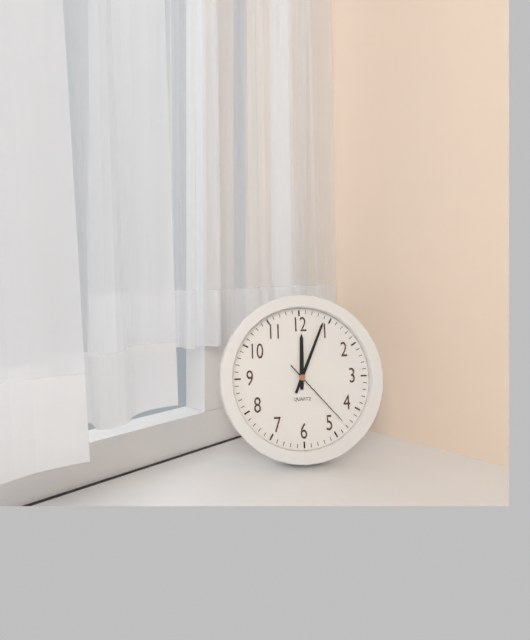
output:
12 h 04 min 23 s
